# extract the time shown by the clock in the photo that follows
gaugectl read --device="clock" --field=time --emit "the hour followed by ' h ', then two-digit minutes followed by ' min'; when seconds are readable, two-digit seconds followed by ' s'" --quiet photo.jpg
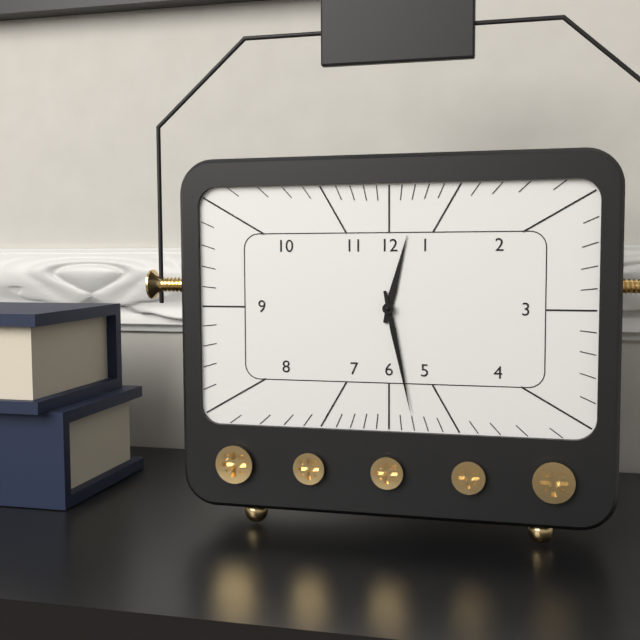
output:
12 h 28 min
